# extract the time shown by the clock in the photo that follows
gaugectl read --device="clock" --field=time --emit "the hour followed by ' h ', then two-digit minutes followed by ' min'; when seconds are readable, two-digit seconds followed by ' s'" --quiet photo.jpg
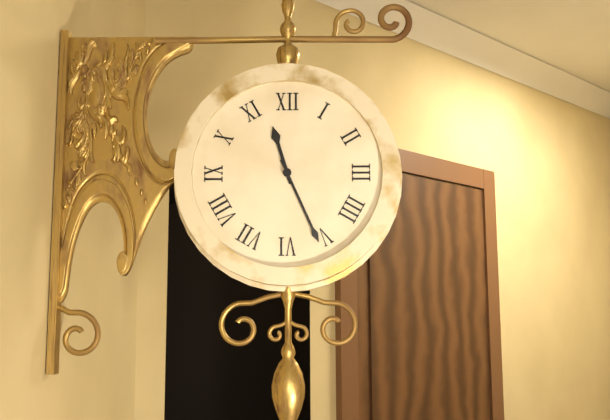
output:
11 h 26 min
